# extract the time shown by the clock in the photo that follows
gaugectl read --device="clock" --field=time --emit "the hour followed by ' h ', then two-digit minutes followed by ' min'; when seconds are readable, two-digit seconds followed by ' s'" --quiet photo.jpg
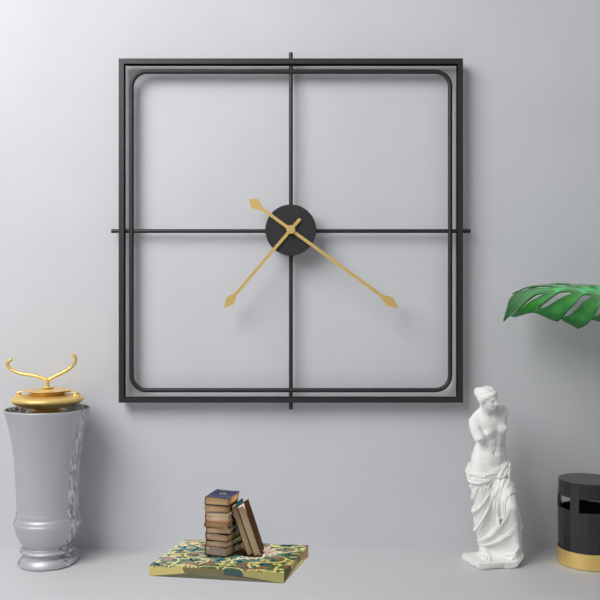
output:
7 h 21 min
